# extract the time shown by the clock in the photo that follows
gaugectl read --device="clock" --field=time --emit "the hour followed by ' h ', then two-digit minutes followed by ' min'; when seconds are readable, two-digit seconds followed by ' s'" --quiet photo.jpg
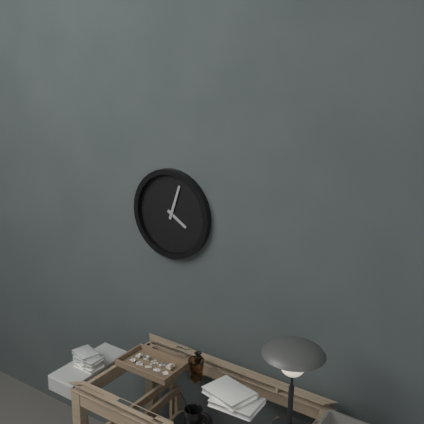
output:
4 h 03 min
